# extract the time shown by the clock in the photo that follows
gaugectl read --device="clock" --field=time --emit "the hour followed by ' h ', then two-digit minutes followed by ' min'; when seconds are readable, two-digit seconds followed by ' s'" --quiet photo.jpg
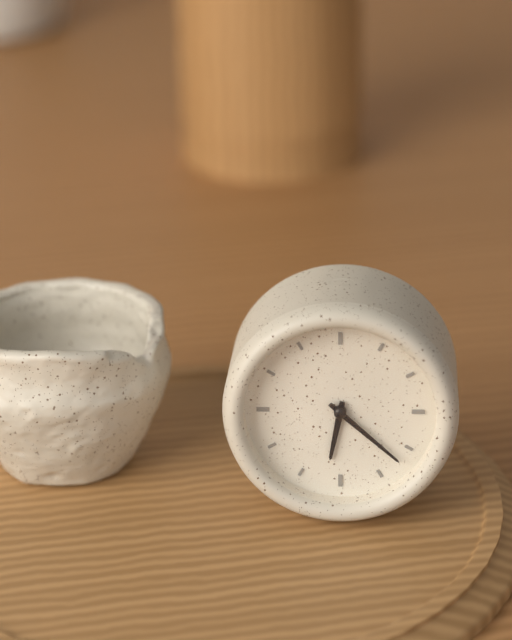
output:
6 h 22 min
